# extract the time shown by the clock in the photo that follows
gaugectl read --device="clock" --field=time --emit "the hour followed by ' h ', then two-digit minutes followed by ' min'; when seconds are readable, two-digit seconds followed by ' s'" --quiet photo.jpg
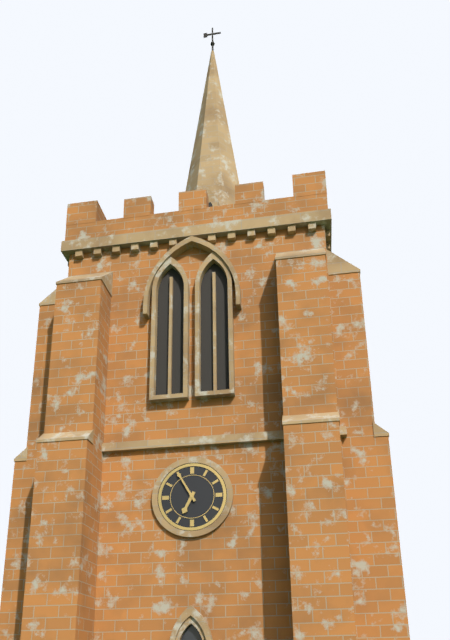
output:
6 h 55 min
